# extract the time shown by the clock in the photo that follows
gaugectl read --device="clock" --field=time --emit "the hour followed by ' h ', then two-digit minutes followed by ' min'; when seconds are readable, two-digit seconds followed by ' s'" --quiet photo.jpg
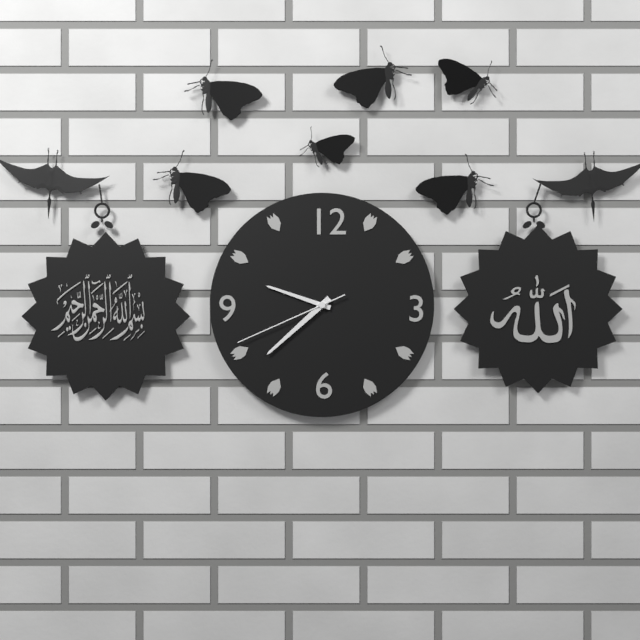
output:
9 h 38 min 41 s
